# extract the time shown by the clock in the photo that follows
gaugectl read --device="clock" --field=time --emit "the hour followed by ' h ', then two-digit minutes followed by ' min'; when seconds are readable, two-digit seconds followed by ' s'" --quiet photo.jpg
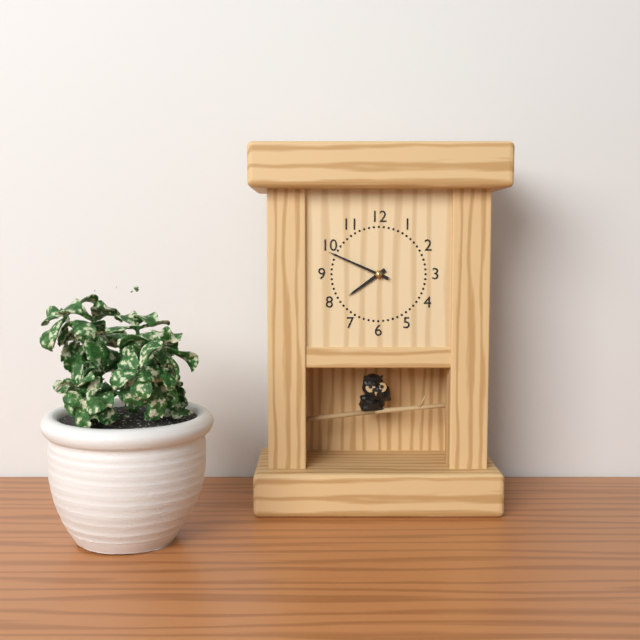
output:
7 h 49 min
